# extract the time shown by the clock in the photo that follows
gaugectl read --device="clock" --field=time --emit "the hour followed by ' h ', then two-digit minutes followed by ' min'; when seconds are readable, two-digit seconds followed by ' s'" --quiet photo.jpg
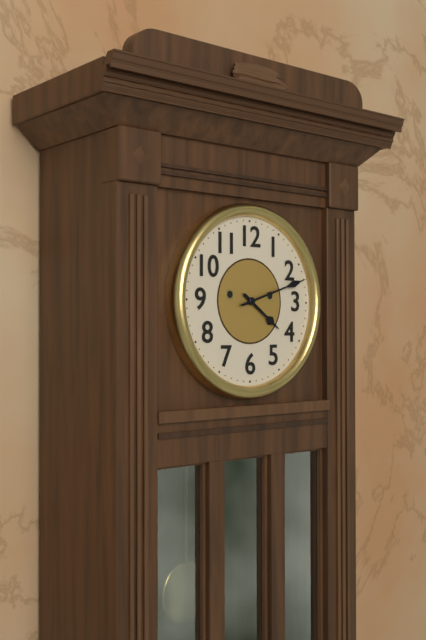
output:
4 h 12 min
